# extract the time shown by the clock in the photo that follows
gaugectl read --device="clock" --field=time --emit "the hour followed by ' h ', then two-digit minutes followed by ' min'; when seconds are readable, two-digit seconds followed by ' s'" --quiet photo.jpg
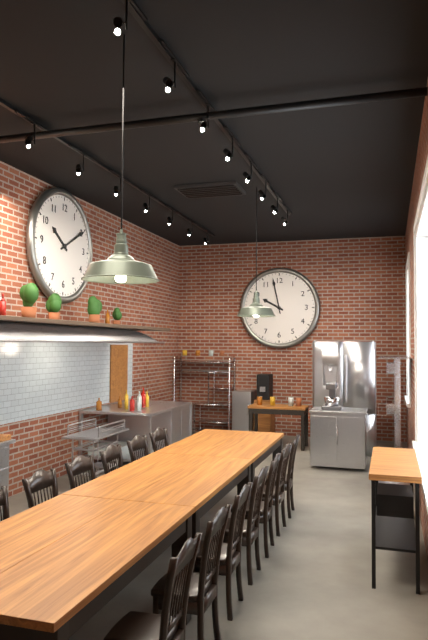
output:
9 h 58 min
